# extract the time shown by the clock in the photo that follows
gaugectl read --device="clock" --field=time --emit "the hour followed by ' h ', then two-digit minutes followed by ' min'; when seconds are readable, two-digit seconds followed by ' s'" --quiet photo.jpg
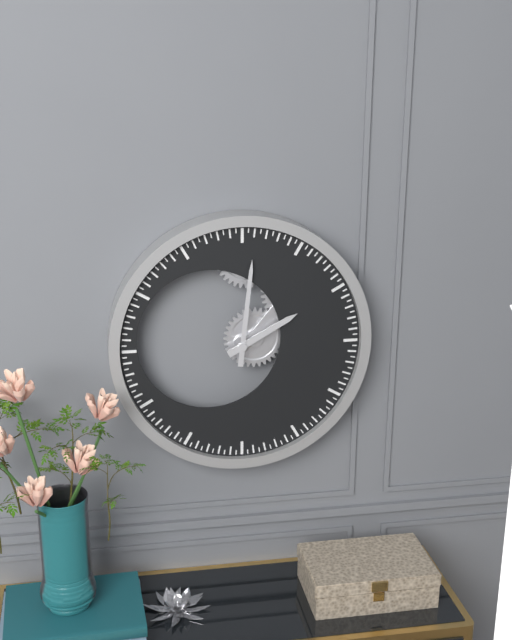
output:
2 h 01 min
